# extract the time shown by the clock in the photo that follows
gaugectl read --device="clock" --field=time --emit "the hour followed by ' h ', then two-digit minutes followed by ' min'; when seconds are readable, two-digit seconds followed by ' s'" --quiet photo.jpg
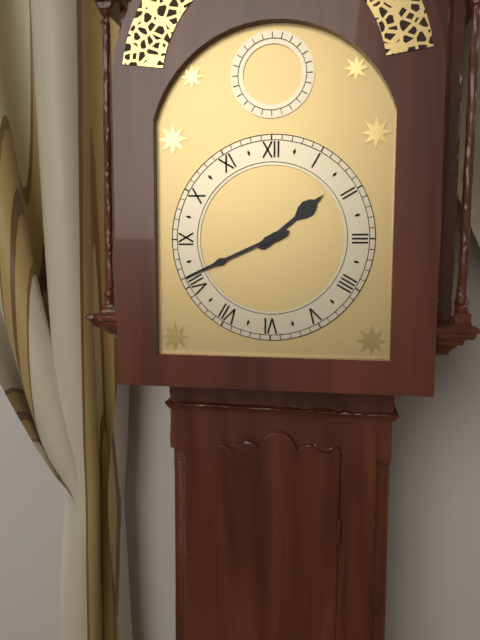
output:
1 h 41 min
